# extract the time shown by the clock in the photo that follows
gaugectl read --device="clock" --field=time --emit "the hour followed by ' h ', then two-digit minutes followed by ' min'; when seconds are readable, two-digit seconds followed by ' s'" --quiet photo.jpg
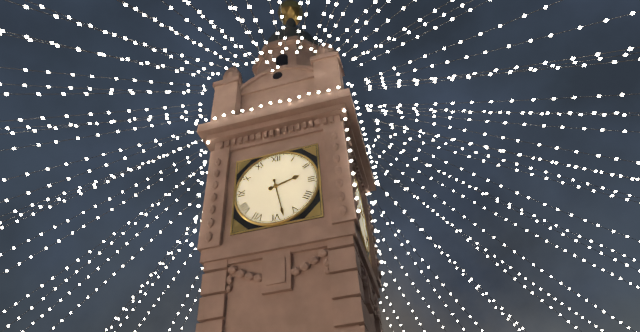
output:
2 h 28 min
